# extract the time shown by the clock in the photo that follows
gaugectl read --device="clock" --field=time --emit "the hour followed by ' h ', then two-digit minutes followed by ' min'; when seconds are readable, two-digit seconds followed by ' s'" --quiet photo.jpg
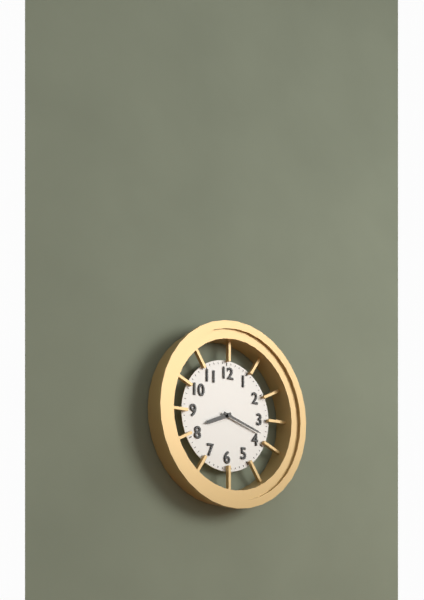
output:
8 h 18 min
